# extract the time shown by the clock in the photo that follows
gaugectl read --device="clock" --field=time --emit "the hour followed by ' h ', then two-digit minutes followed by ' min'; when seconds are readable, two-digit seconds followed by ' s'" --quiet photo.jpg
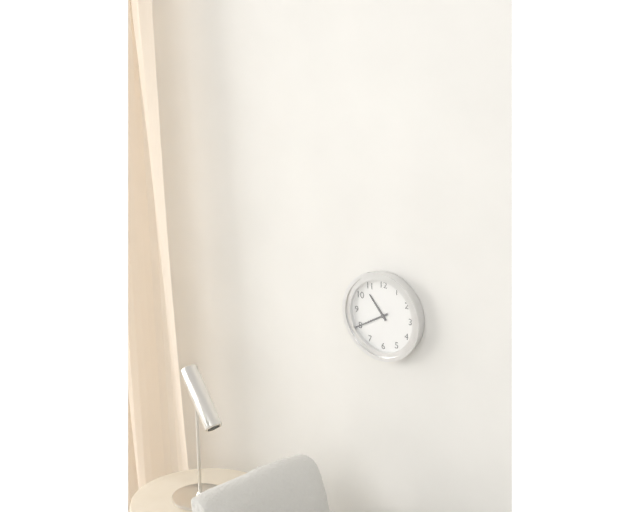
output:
10 h 40 min
